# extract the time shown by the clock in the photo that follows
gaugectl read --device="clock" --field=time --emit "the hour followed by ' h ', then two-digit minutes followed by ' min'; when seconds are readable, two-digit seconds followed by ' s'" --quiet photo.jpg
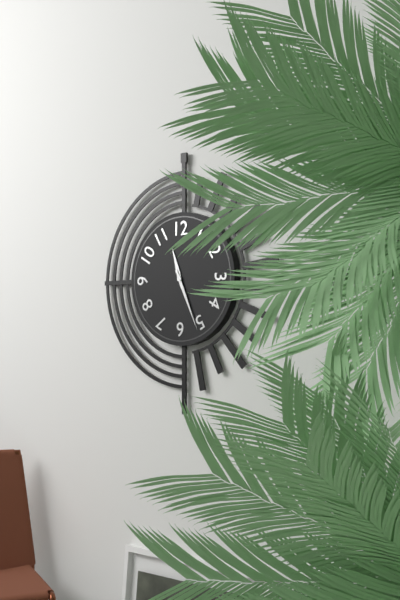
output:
11 h 26 min
